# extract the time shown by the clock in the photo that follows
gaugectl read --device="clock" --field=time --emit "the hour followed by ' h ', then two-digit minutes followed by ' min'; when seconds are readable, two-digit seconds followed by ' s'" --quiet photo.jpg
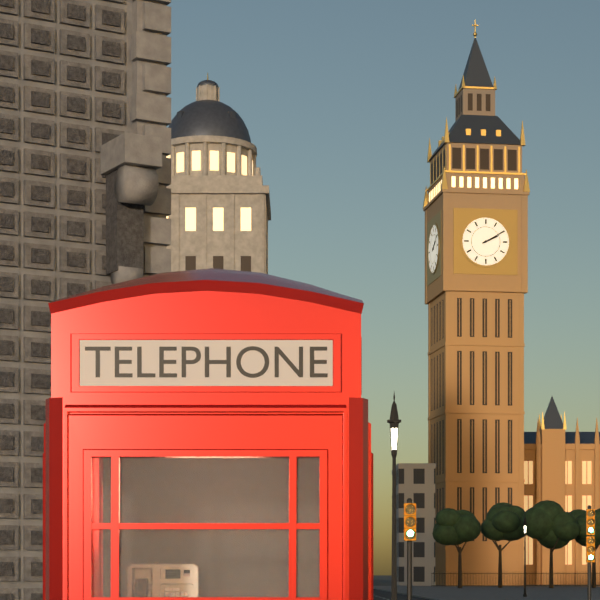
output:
2 h 10 min
